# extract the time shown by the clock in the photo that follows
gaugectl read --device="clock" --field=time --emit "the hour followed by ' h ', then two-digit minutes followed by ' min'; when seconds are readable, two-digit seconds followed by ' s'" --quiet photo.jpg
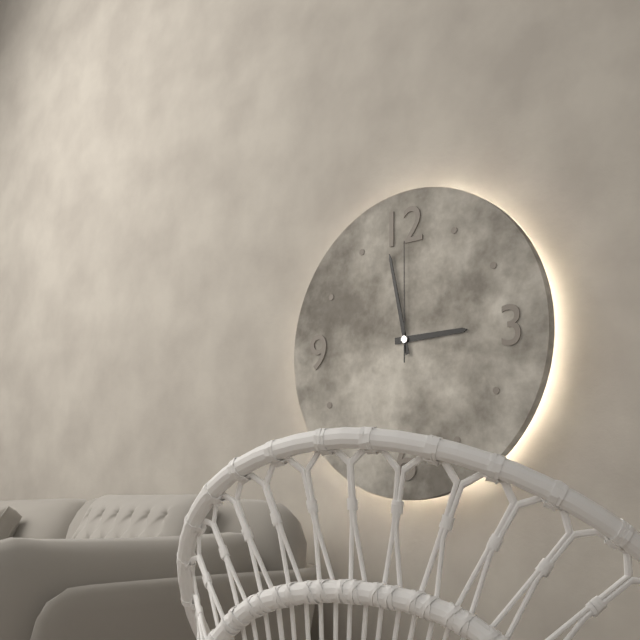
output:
2 h 58 min 00 s
